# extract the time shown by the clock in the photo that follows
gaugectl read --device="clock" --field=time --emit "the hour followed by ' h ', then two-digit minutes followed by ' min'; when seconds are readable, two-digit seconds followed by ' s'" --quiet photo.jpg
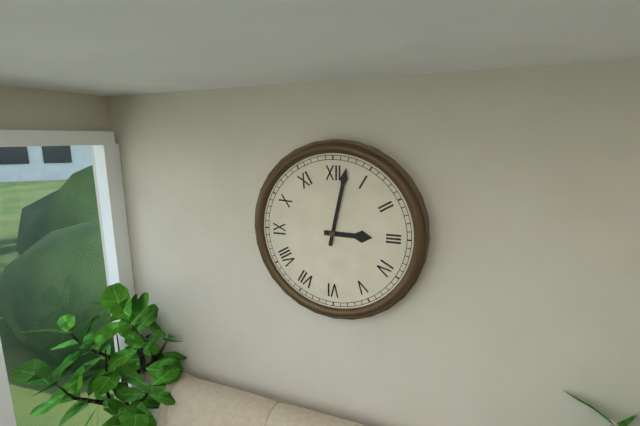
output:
3 h 02 min
